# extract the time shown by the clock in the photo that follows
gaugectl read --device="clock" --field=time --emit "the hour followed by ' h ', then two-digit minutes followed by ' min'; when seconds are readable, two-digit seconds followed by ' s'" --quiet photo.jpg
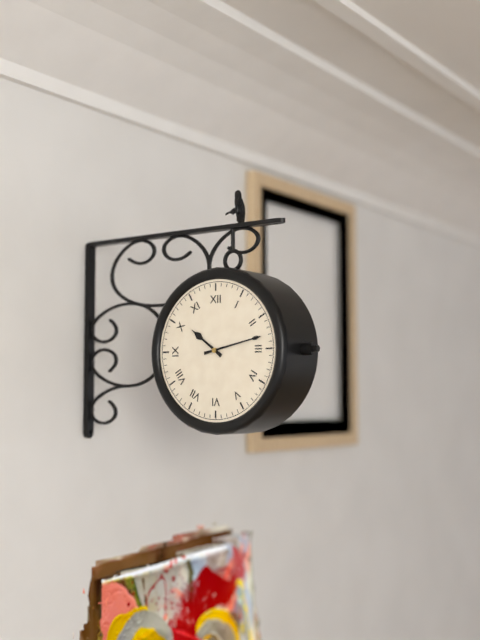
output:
10 h 13 min
